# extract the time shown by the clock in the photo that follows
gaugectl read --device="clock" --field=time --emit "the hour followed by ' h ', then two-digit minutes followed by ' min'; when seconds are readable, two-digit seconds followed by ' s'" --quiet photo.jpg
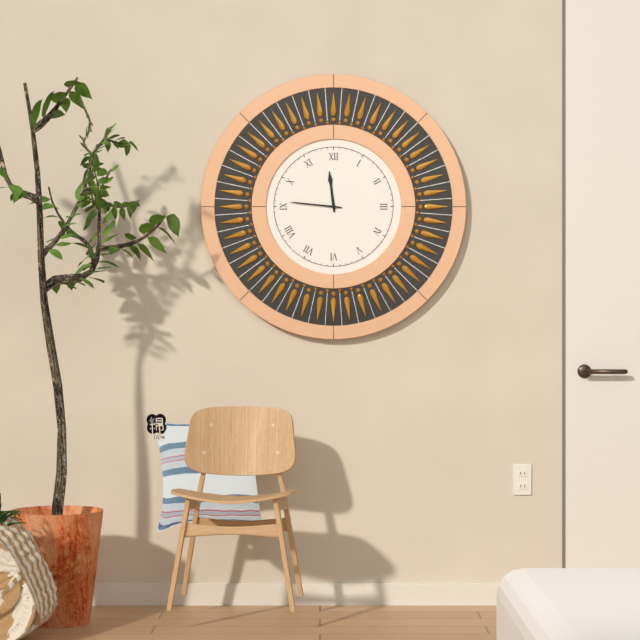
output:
11 h 46 min
